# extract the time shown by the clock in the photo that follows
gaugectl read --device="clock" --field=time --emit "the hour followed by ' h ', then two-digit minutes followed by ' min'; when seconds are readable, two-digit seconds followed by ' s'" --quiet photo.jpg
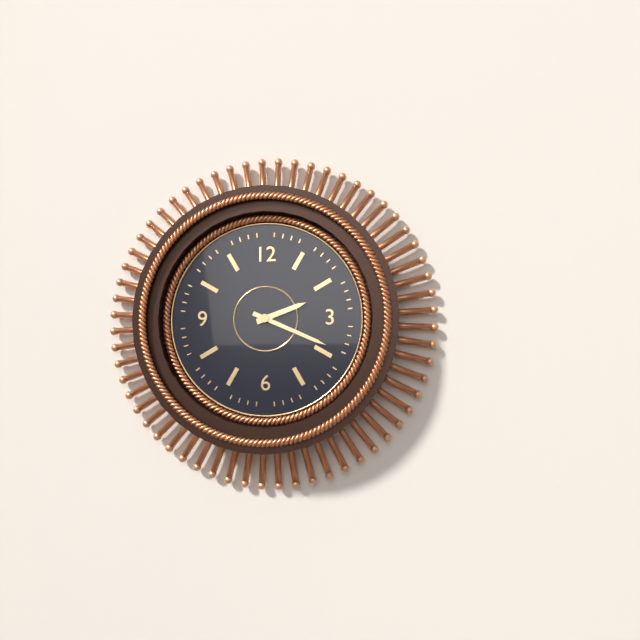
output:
2 h 19 min
